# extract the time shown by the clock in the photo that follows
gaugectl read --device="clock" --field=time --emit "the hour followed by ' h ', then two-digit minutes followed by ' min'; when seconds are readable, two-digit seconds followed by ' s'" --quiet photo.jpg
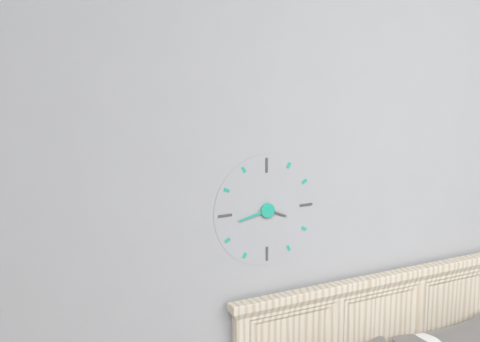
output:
3 h 43 min
